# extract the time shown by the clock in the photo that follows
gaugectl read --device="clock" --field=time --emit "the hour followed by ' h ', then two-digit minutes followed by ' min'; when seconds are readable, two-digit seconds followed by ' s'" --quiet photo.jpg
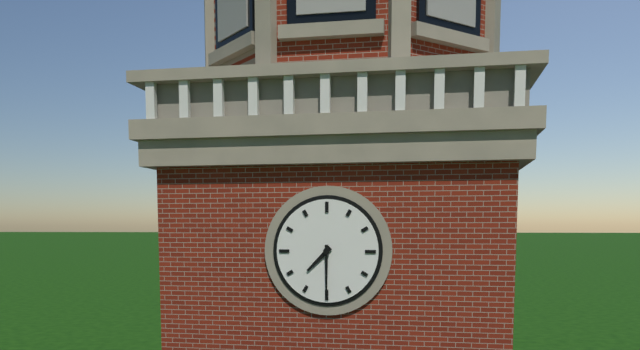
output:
7 h 30 min
